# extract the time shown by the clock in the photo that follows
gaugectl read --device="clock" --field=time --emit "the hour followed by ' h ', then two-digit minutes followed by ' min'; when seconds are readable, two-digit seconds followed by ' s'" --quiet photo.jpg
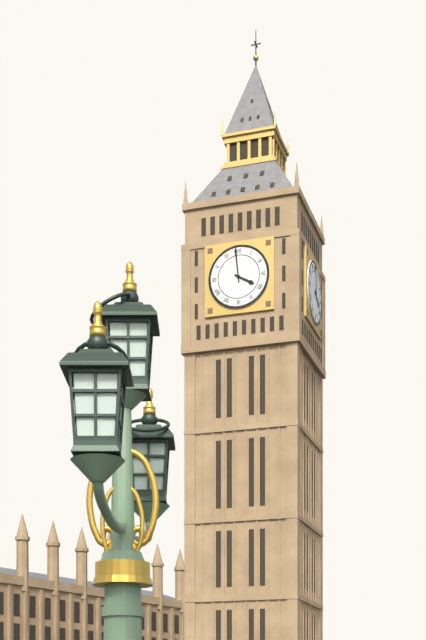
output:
3 h 59 min
